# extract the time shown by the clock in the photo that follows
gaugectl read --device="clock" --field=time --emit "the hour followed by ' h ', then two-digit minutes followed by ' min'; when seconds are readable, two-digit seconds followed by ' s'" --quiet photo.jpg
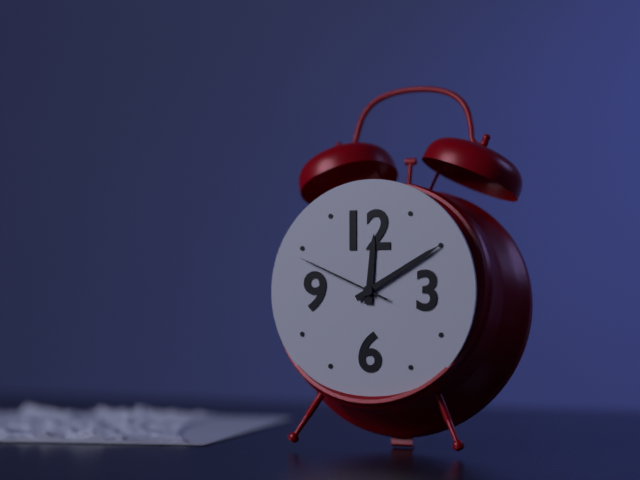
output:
12 h 10 min 49 s
